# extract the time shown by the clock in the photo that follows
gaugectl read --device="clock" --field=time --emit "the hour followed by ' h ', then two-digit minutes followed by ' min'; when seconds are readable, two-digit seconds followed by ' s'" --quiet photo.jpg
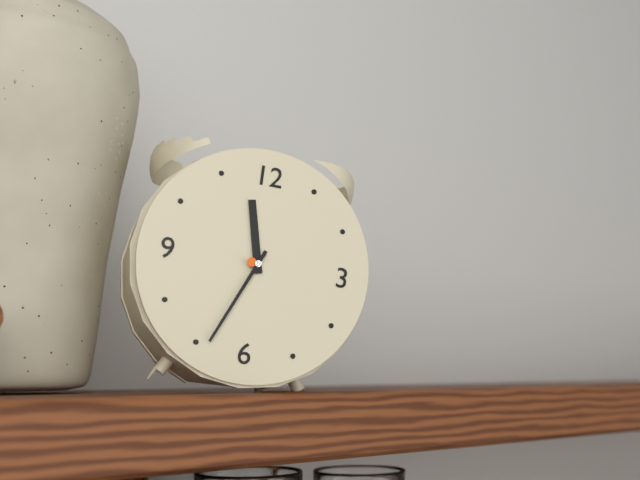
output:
11 h 34 min
